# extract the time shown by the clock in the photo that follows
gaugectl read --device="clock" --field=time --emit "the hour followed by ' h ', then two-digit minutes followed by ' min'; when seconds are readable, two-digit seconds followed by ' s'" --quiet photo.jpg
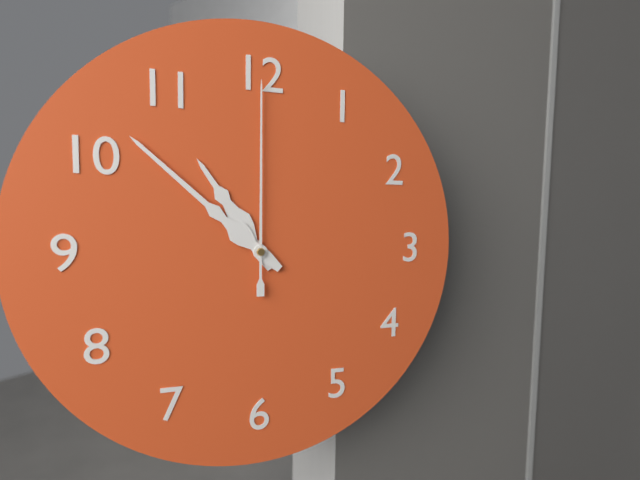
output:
10 h 52 min 00 s
